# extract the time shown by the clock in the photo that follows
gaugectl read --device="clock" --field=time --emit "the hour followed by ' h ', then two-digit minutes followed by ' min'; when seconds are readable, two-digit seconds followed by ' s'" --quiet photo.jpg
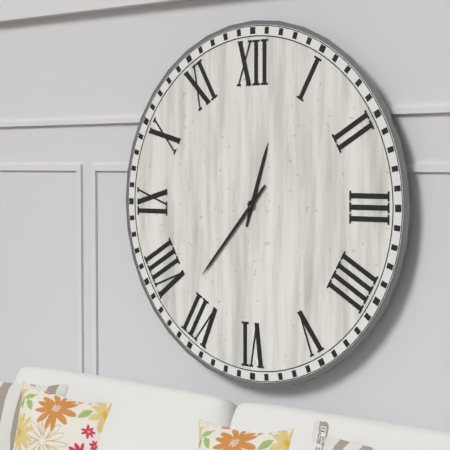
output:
12 h 37 min
